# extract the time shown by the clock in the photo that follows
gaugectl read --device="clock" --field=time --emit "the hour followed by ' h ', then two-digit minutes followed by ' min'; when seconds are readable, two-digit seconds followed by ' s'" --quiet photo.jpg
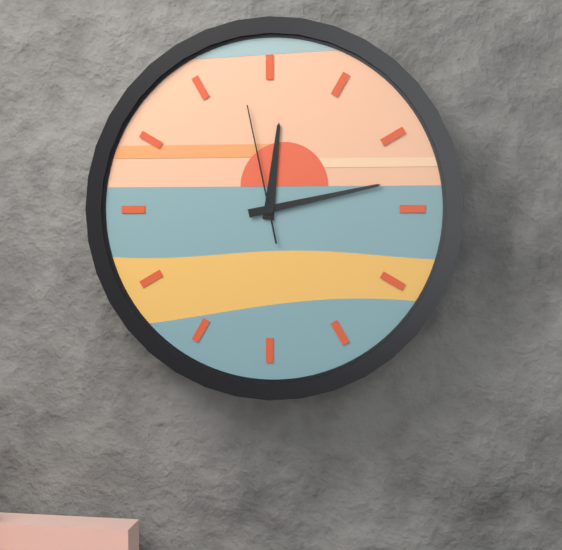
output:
12 h 13 min 58 s
